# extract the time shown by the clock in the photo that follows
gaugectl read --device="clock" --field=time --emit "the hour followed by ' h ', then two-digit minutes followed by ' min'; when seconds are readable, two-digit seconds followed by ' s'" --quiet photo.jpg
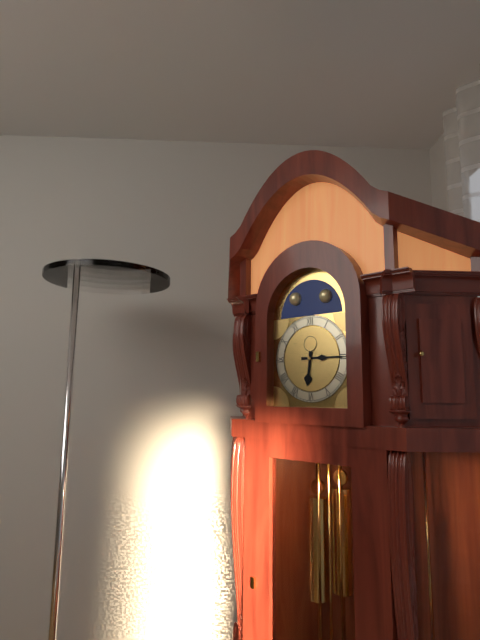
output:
6 h 15 min
